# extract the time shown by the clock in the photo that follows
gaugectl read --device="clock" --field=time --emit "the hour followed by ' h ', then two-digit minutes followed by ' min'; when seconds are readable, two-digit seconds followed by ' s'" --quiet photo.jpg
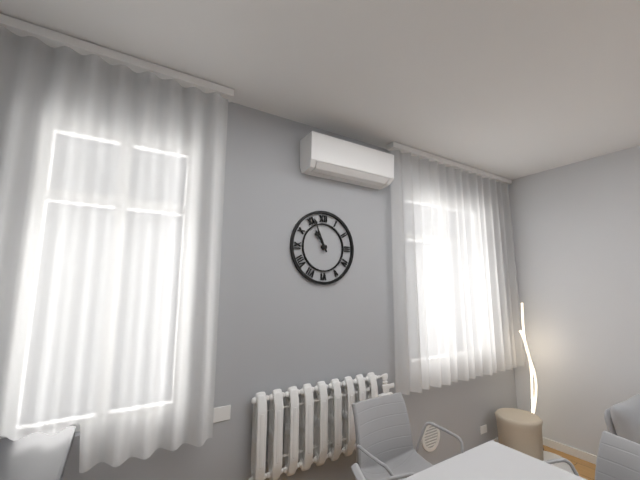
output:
10 h 56 min
